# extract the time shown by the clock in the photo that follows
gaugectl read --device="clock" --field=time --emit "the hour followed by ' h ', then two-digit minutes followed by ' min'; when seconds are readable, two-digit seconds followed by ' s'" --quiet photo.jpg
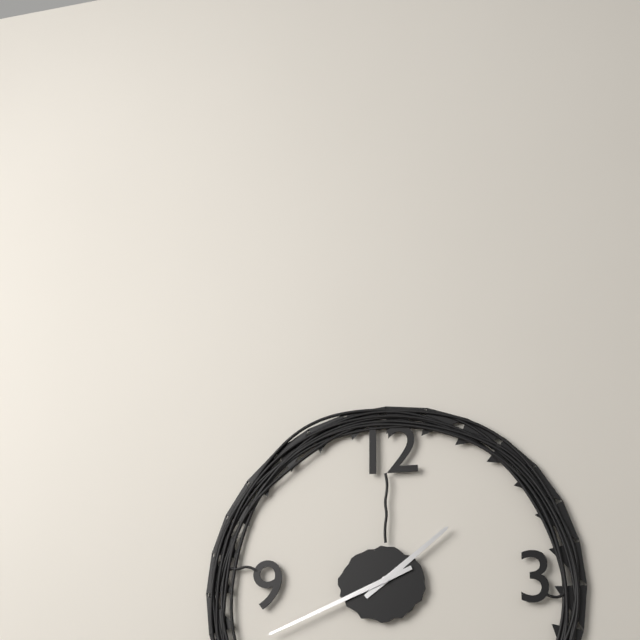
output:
1 h 41 min
